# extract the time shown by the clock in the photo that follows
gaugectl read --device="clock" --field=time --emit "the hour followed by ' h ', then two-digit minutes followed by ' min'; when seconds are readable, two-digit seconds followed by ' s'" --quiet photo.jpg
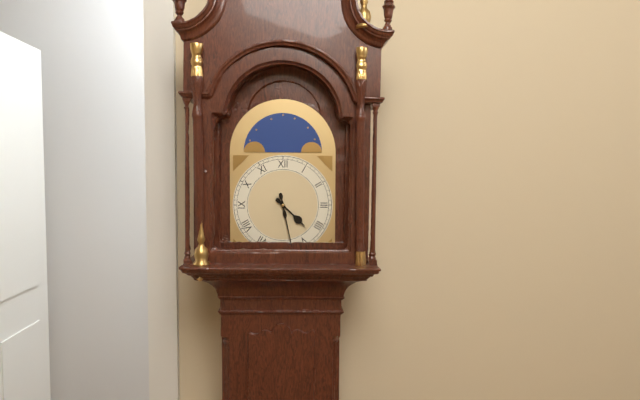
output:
4 h 28 min
